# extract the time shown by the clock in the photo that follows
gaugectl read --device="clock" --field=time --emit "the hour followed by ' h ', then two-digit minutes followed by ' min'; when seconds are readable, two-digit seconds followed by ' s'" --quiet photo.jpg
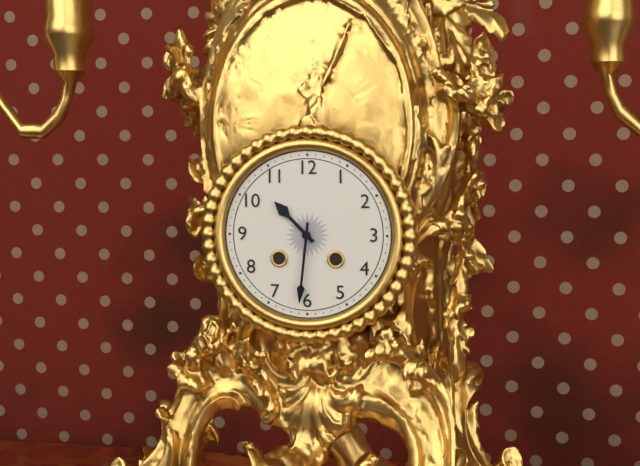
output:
10 h 31 min
